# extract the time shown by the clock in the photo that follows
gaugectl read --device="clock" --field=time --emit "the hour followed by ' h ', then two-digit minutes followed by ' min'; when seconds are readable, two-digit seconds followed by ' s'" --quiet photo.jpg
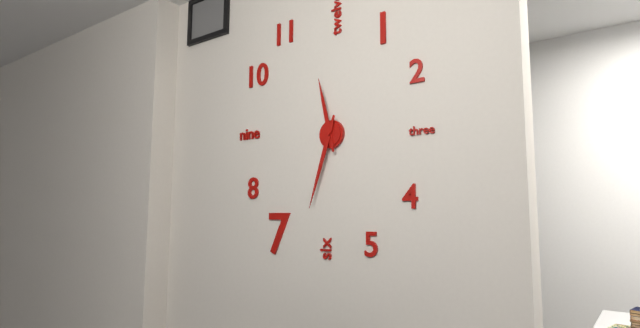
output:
11 h 33 min
